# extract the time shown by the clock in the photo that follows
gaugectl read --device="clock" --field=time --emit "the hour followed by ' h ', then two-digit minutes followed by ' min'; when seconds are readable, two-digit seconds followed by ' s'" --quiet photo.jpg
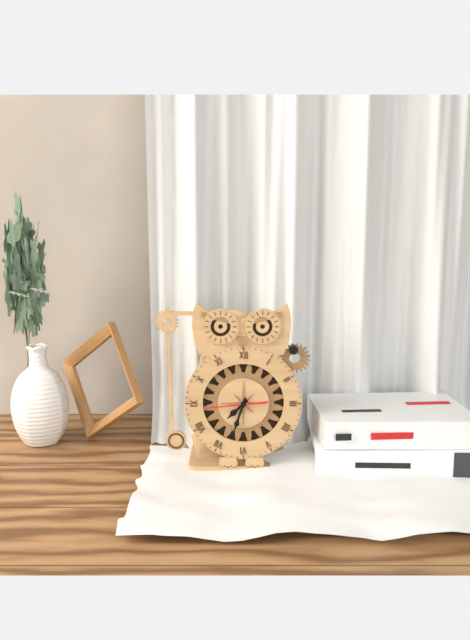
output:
7 h 33 min
